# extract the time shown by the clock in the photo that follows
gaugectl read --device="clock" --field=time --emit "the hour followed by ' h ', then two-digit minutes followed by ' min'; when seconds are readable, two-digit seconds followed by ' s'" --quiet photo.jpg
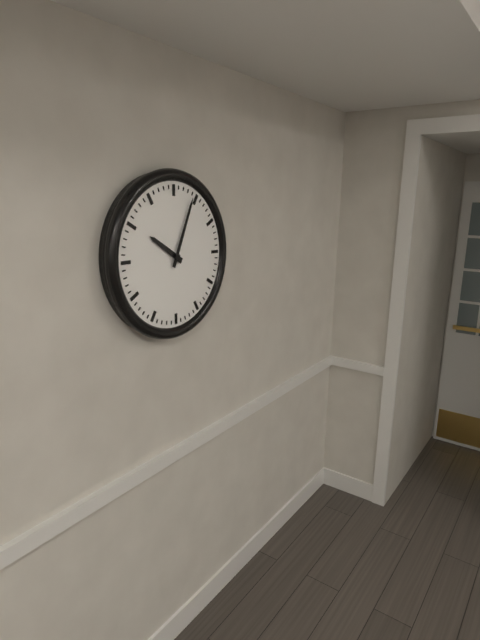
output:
10 h 04 min
